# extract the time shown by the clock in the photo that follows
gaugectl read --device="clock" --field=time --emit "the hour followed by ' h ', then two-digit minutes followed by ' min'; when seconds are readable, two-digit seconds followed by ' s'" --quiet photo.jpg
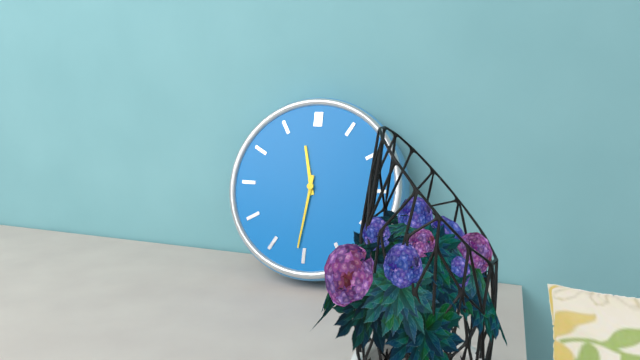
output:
11 h 31 min
